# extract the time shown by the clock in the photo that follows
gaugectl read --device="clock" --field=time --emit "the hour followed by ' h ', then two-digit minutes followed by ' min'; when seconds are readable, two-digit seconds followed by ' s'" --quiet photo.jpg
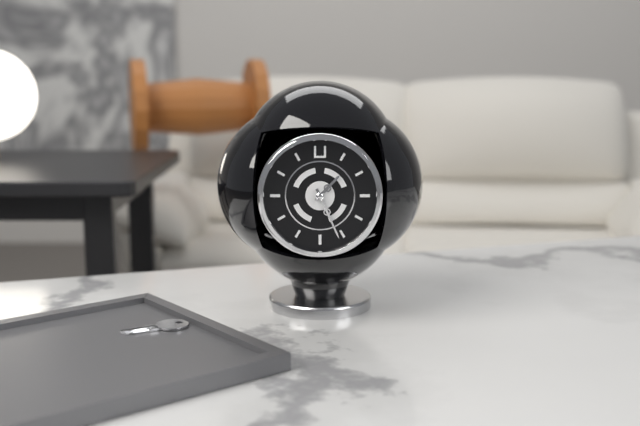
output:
1 h 26 min
